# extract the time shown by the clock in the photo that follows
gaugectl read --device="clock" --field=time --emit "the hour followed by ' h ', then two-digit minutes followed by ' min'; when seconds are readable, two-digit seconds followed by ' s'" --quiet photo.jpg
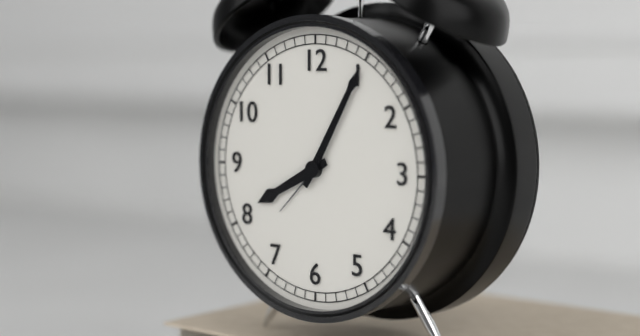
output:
8 h 05 min
